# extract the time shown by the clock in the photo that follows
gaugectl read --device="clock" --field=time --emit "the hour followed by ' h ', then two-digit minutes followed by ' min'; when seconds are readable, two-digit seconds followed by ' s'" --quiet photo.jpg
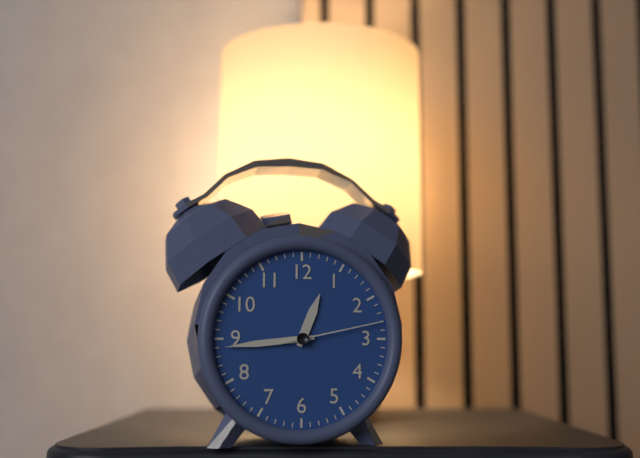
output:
12 h 44 min 13 s
